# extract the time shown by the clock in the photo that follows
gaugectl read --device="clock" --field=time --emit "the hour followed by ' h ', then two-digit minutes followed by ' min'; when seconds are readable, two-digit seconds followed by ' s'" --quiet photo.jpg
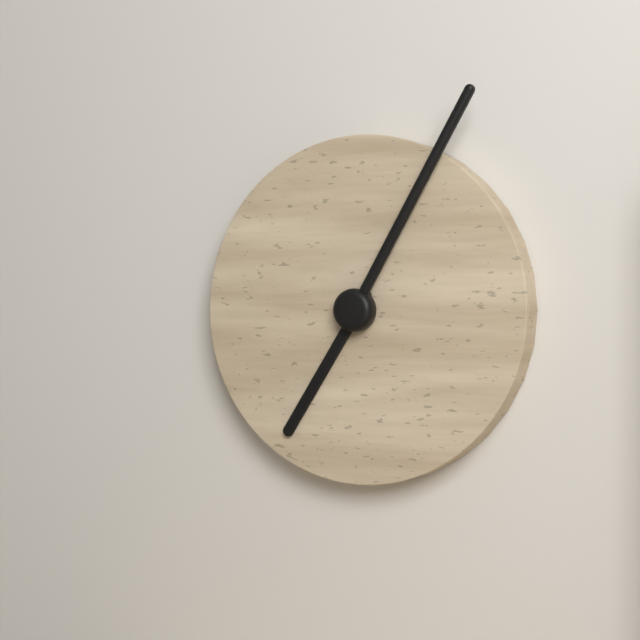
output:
7 h 05 min
